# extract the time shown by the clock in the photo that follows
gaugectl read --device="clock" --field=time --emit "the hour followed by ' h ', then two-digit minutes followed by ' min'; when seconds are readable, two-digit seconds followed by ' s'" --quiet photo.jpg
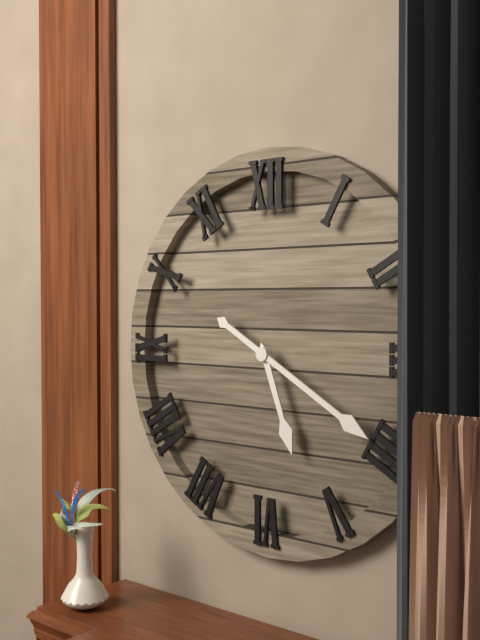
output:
5 h 20 min
